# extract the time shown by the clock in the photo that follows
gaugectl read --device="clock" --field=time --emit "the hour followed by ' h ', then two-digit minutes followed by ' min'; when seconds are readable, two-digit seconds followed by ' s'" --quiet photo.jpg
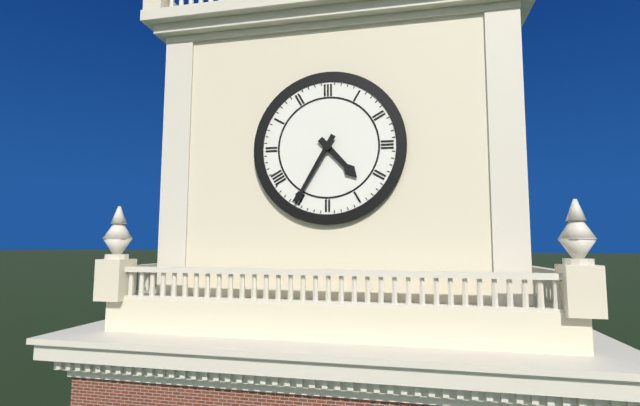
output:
4 h 35 min
